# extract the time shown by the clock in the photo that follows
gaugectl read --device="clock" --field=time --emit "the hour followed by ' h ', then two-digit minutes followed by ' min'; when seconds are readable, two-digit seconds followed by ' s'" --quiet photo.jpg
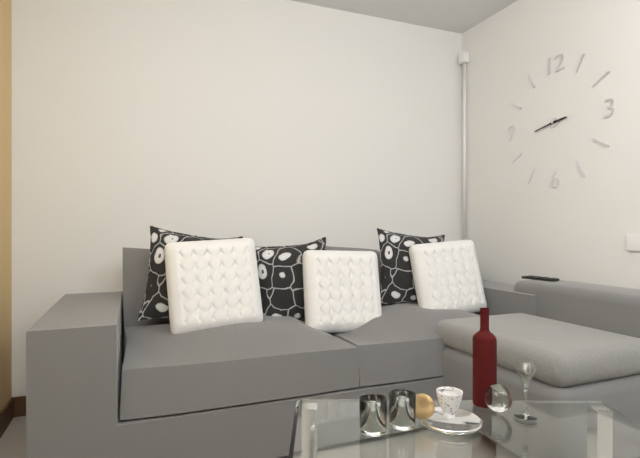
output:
2 h 43 min
